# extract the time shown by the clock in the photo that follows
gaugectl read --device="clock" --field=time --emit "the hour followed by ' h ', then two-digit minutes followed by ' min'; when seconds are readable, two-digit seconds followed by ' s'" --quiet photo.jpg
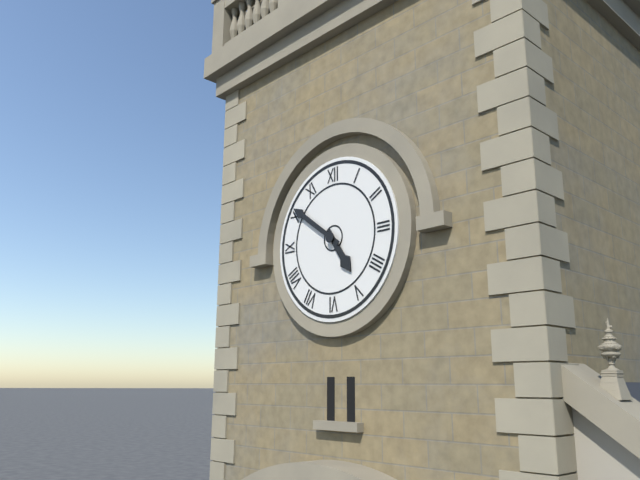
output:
4 h 51 min
